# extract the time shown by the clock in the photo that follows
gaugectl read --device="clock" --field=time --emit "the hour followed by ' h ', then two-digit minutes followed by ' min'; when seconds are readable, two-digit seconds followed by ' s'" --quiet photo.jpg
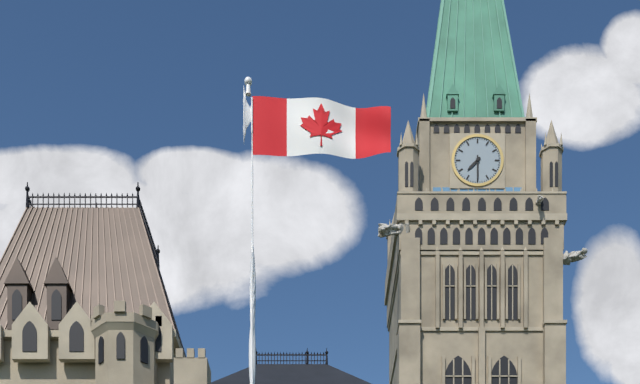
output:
7 h 30 min
